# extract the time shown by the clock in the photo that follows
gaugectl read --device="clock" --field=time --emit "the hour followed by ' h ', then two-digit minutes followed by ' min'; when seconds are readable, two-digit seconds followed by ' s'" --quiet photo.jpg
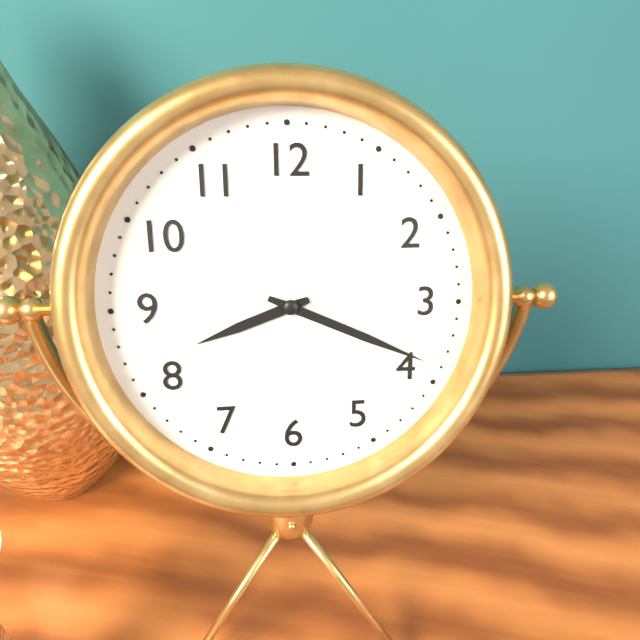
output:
8 h 19 min
